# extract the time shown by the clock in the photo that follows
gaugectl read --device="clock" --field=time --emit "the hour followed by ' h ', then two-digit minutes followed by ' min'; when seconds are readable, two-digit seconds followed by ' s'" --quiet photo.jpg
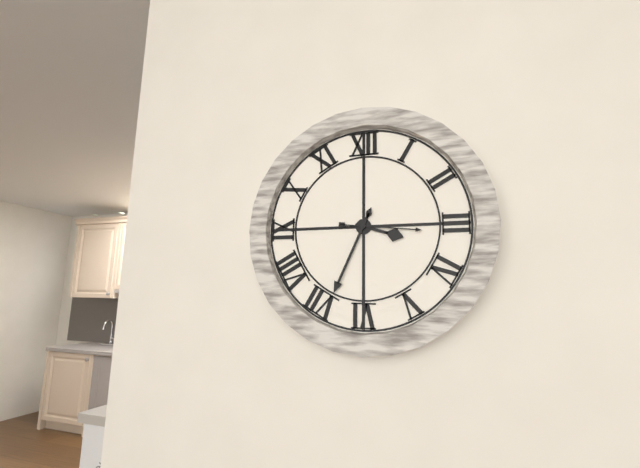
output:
3 h 34 min 16 s
